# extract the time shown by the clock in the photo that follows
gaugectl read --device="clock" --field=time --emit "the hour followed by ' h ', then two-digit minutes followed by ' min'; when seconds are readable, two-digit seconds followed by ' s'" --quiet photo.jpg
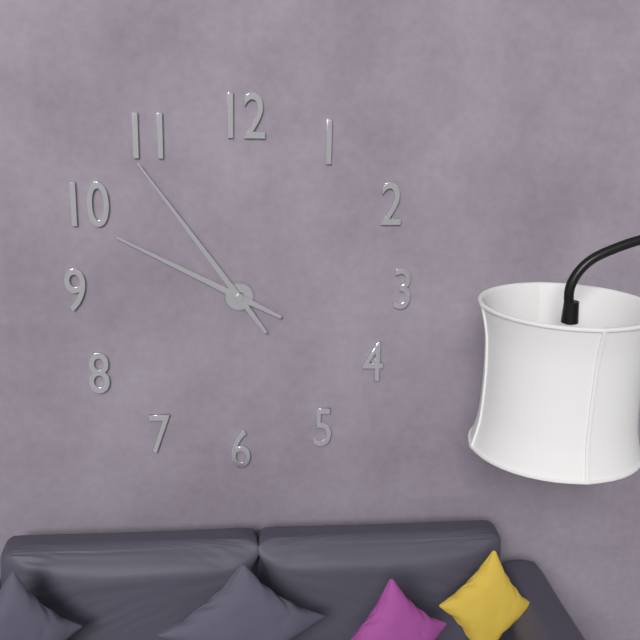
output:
9 h 54 min
